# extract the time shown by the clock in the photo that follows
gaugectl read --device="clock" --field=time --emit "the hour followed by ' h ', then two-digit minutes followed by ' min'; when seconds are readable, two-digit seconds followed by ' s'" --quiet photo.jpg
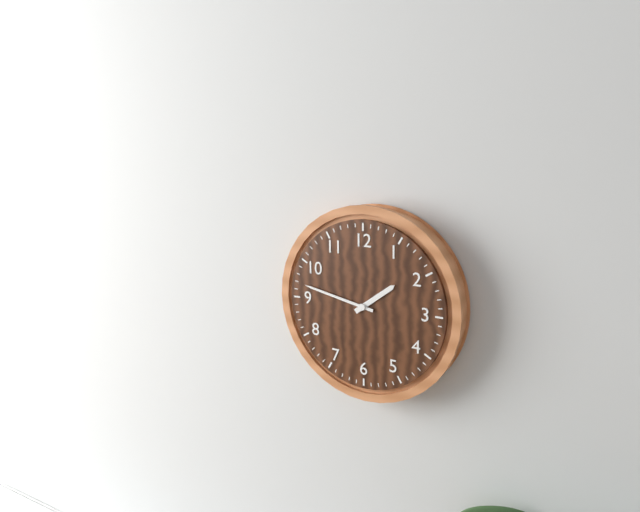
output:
1 h 47 min
